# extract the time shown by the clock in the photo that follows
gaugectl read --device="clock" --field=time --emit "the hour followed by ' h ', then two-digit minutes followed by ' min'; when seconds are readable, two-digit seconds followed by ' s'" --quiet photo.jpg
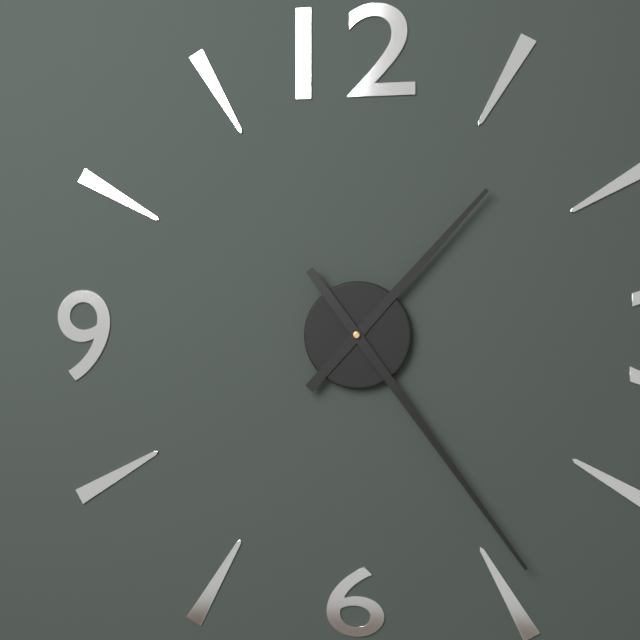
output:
1 h 24 min
